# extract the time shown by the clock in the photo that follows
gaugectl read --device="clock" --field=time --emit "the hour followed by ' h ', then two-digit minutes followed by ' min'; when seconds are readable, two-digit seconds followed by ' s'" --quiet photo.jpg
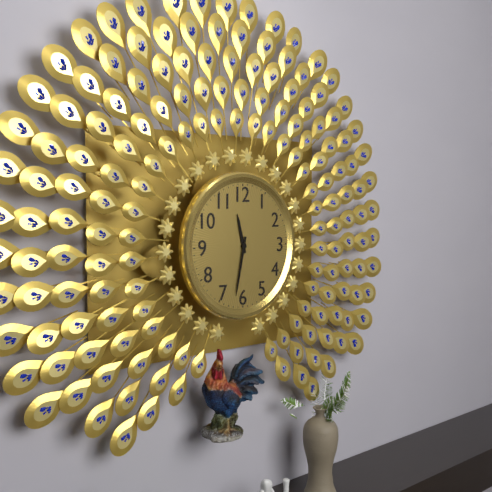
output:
11 h 32 min
